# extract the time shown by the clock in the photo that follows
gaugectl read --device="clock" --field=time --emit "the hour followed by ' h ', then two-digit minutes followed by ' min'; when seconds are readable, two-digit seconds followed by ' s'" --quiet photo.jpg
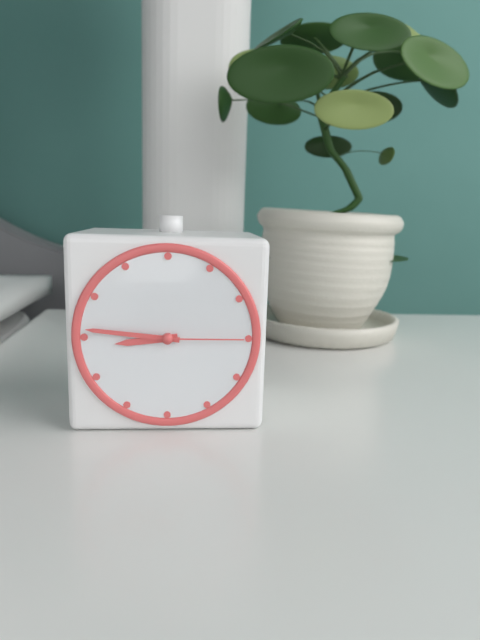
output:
8 h 46 min 15 s
